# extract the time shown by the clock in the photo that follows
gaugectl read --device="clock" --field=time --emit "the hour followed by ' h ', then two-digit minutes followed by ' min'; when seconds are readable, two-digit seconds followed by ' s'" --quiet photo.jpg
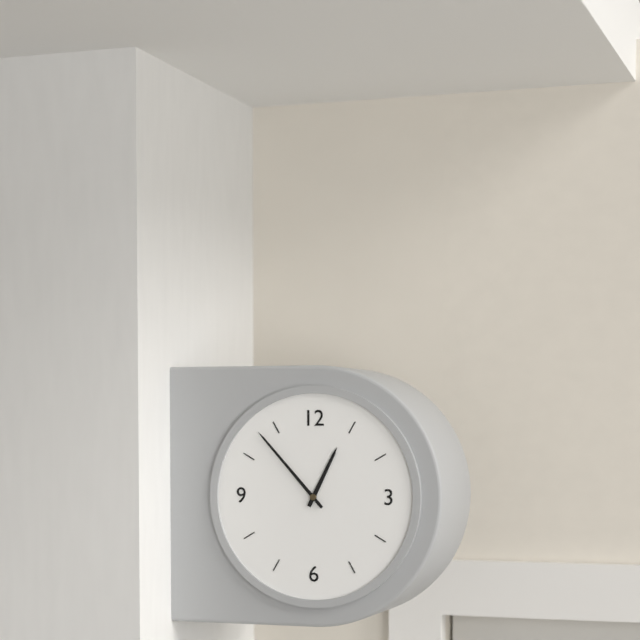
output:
12 h 53 min
